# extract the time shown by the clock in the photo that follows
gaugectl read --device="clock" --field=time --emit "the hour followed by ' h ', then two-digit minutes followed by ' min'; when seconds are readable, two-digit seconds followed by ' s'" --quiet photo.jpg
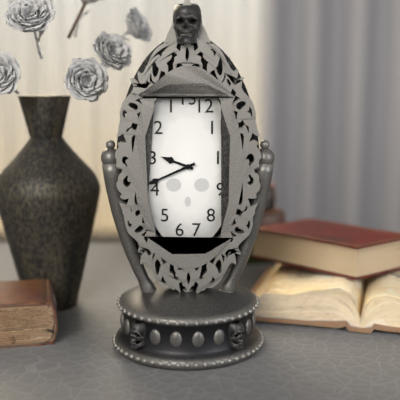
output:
9 h 41 min
